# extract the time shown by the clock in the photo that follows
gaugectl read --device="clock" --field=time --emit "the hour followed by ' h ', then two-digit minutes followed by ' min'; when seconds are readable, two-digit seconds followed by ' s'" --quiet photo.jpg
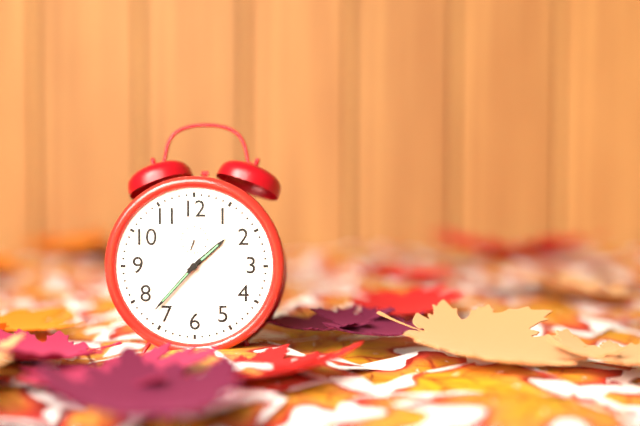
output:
1 h 37 min
